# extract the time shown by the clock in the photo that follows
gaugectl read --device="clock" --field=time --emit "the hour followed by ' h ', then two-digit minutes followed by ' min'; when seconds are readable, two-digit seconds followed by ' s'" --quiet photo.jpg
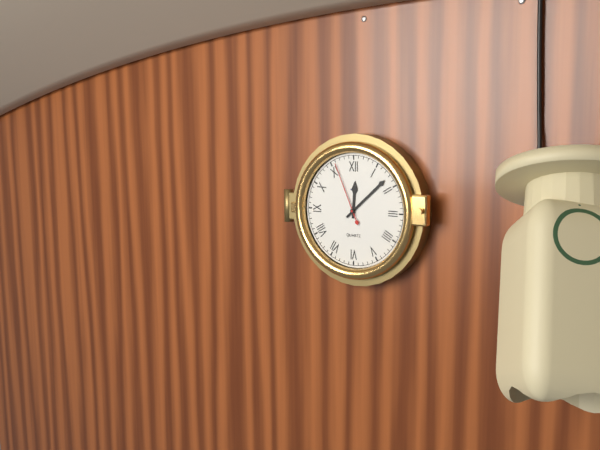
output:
12 h 08 min 56 s
